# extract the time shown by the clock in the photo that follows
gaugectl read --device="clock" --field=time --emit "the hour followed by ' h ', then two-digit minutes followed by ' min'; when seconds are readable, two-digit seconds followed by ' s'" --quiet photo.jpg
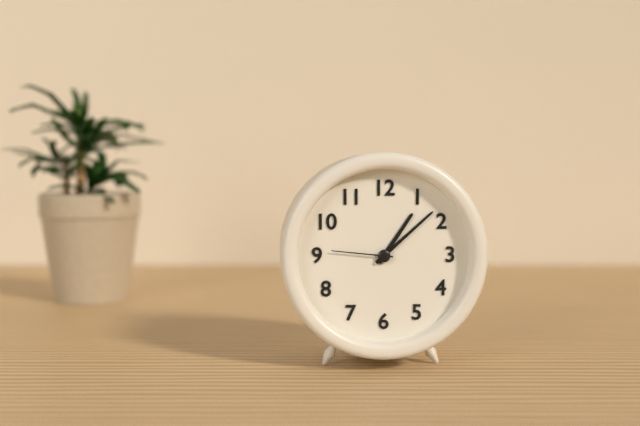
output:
1 h 08 min 46 s
